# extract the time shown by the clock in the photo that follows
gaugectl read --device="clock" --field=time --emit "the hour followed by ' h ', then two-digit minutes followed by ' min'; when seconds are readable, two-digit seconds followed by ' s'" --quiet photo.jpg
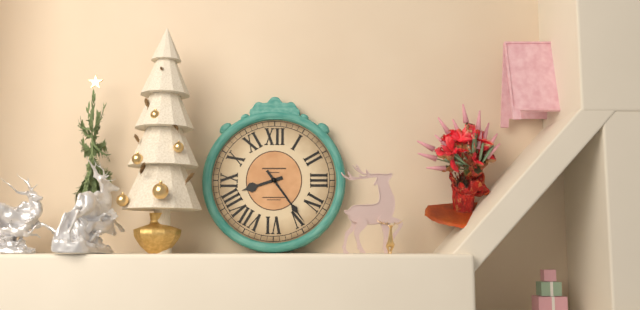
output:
8 h 24 min
